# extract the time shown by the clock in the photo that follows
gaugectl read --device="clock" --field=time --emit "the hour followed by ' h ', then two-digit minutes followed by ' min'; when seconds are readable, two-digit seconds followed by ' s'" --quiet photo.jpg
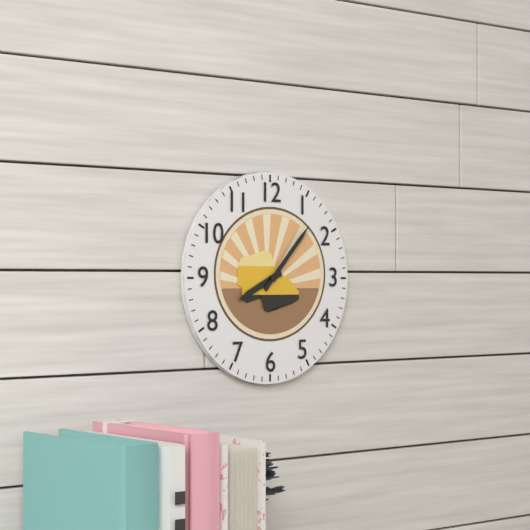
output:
8 h 07 min
